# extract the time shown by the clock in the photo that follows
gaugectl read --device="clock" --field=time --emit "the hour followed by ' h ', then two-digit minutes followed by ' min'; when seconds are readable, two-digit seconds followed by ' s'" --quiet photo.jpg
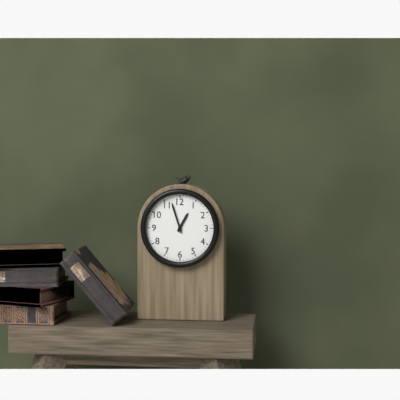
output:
12 h 57 min
